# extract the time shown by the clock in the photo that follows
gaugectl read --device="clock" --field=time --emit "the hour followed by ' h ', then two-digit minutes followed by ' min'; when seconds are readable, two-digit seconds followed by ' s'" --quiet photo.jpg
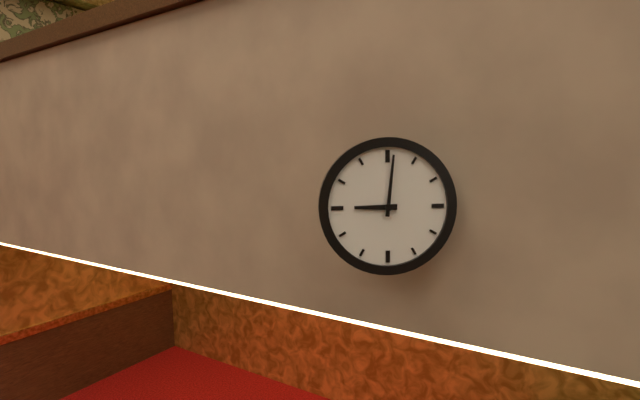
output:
9 h 01 min
